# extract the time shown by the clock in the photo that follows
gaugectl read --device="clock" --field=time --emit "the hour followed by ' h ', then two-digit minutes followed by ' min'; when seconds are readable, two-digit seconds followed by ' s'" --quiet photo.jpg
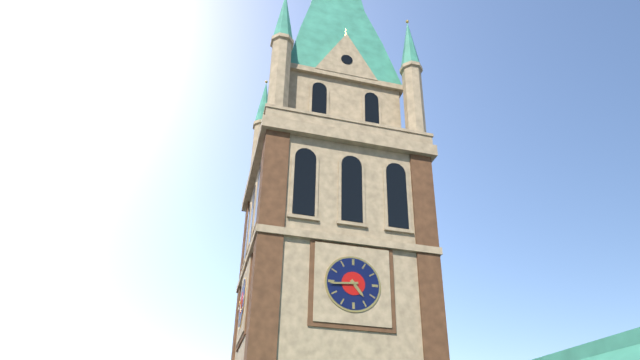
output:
4 h 44 min
